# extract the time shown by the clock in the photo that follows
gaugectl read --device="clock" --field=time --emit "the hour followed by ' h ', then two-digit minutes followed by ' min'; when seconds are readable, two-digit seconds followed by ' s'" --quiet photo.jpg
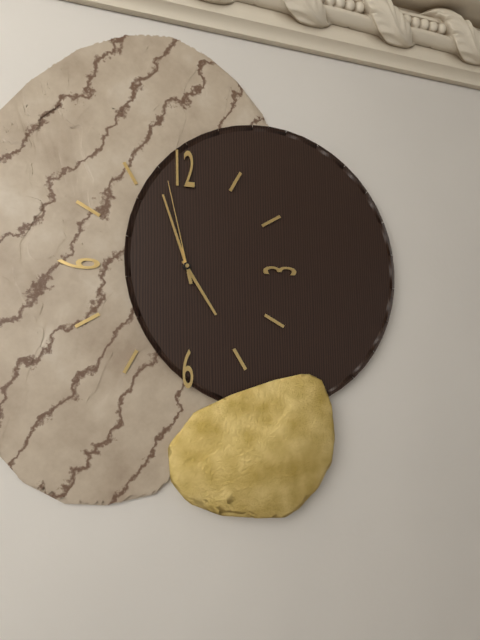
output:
4 h 57 min 58 s
